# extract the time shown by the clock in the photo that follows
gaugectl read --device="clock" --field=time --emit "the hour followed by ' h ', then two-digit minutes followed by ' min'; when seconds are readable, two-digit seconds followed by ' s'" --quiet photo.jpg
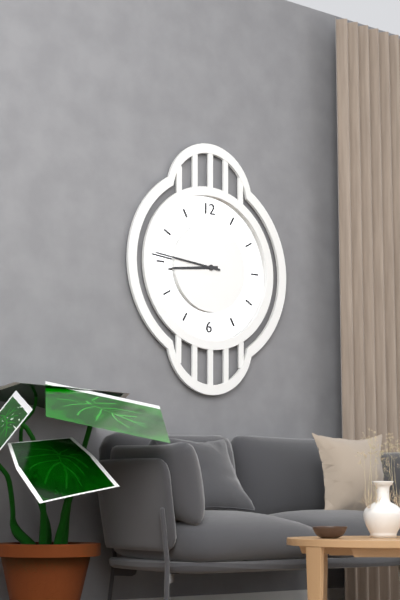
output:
8 h 46 min
